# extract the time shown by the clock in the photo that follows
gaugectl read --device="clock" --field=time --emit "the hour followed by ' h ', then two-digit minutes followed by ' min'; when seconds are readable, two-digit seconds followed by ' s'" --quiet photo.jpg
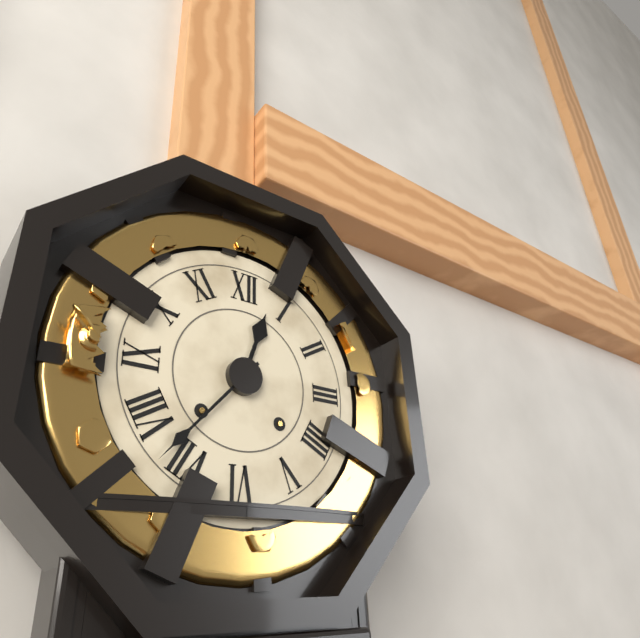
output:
12 h 37 min
